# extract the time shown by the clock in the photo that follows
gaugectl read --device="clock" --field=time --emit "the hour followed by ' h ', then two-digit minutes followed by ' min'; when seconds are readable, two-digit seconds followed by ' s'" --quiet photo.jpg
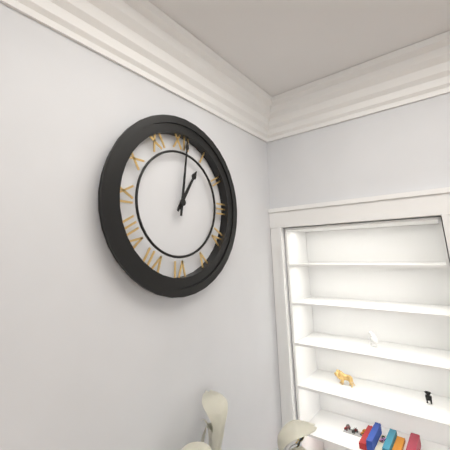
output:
1 h 01 min
